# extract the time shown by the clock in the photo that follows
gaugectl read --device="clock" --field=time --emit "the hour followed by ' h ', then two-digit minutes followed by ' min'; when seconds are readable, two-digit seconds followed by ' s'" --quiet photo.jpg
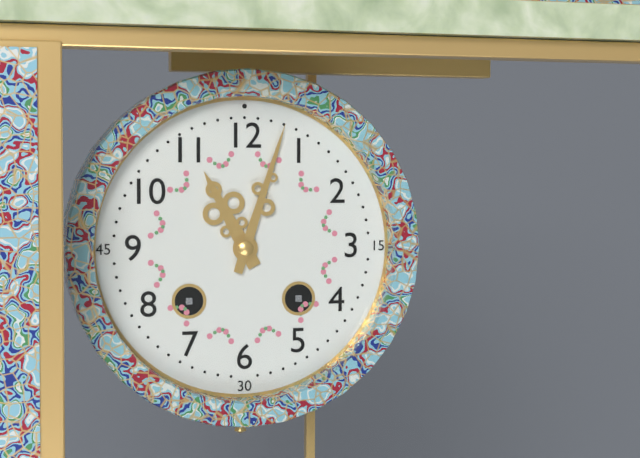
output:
11 h 03 min
